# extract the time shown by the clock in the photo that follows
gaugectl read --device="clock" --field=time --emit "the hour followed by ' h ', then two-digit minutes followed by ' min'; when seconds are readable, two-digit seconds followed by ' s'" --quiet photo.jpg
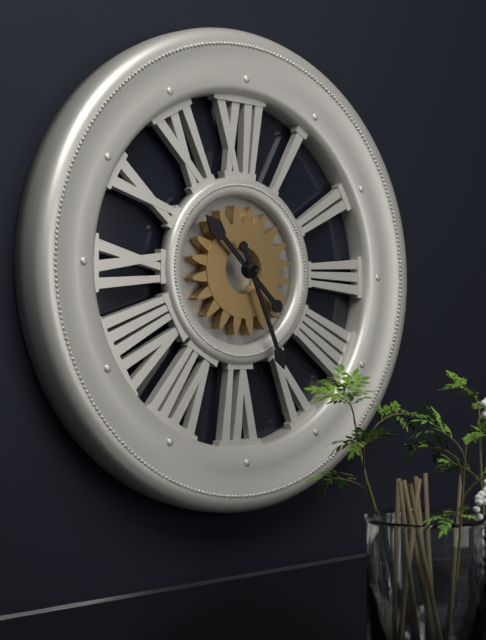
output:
10 h 26 min
